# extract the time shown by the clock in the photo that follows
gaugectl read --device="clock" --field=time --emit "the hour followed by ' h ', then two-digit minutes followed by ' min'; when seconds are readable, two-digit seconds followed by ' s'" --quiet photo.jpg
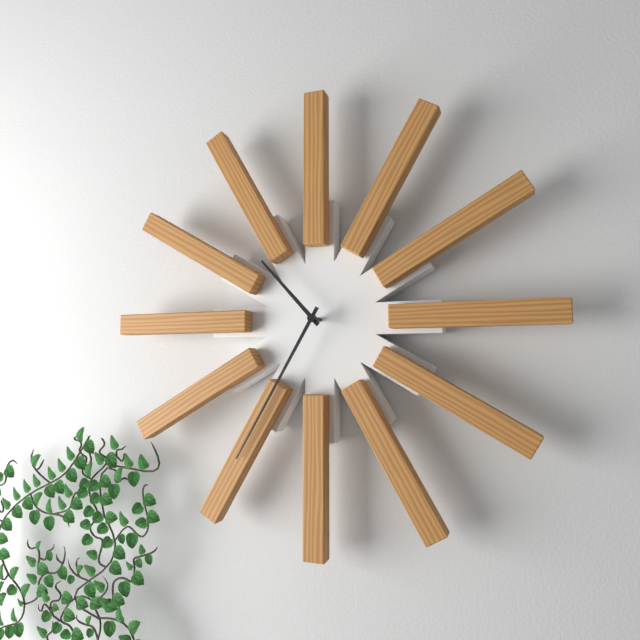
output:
10 h 35 min
